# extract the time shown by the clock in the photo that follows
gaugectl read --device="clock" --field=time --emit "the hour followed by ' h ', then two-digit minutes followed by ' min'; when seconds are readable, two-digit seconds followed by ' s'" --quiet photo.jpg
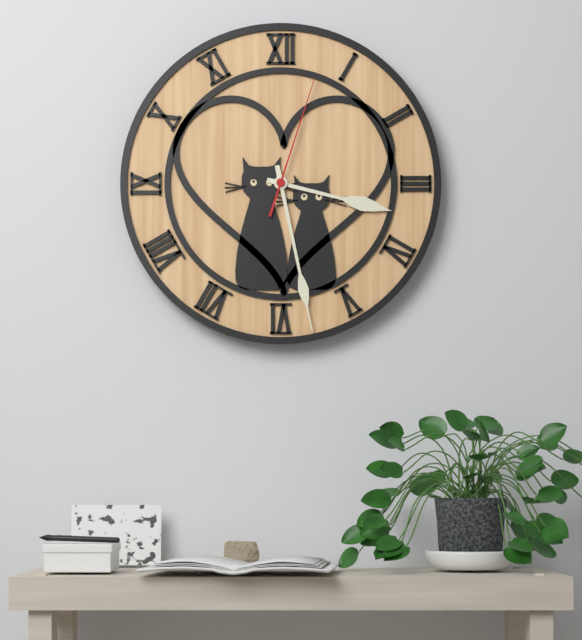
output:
3 h 28 min 03 s
